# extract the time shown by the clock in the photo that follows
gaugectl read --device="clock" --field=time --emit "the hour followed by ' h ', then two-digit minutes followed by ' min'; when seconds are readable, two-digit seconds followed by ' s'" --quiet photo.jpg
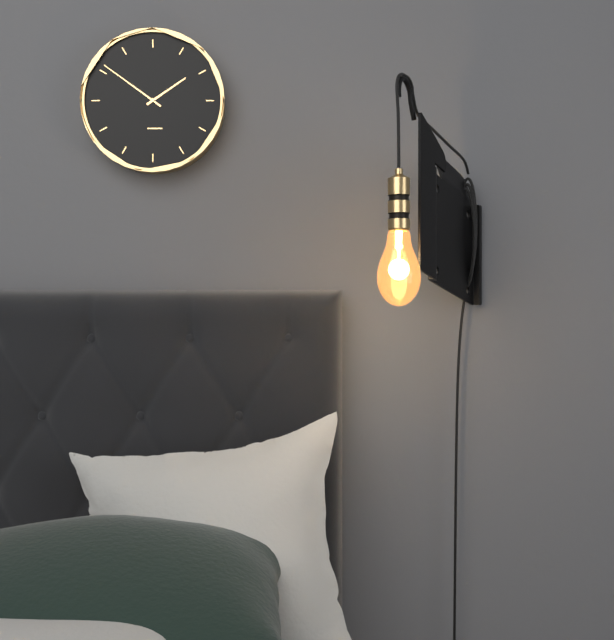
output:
1 h 51 min
